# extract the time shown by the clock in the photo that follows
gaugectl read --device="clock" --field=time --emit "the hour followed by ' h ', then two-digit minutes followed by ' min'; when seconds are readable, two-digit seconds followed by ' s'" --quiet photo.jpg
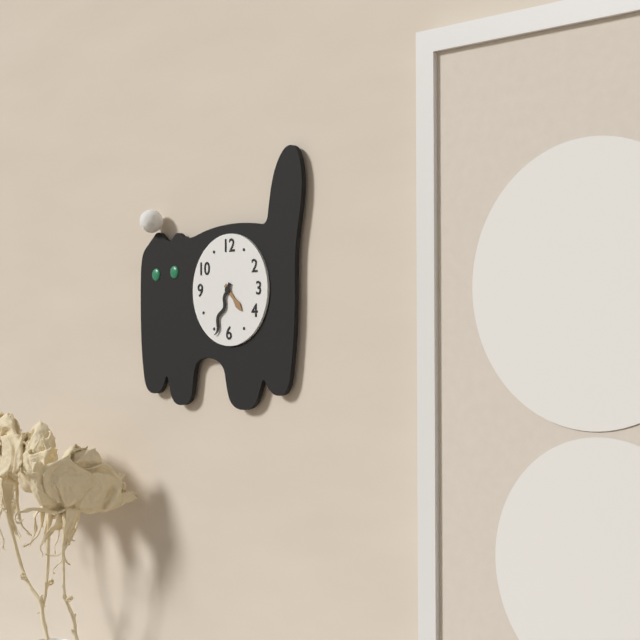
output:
4 h 34 min
